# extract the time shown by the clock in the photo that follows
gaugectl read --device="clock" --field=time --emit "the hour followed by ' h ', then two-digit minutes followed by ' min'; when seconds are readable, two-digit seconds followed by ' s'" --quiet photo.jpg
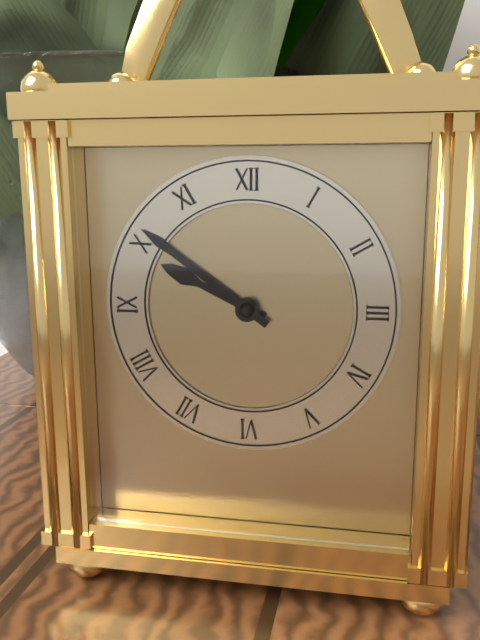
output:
9 h 51 min
